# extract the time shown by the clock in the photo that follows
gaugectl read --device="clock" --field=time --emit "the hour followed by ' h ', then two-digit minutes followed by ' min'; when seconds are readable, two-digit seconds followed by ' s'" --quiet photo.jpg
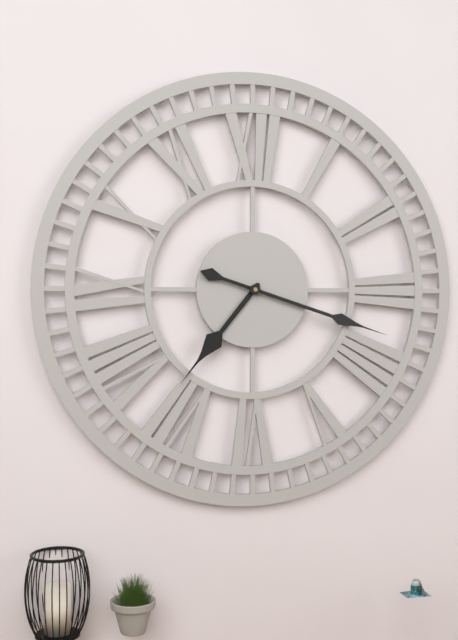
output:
7 h 18 min
